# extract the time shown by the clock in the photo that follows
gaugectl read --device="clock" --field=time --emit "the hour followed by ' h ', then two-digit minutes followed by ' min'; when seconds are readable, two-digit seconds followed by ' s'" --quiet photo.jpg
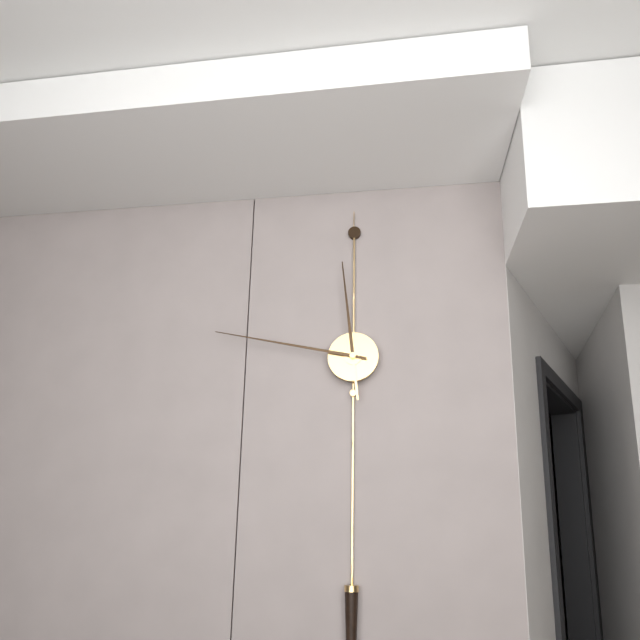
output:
11 h 47 min
